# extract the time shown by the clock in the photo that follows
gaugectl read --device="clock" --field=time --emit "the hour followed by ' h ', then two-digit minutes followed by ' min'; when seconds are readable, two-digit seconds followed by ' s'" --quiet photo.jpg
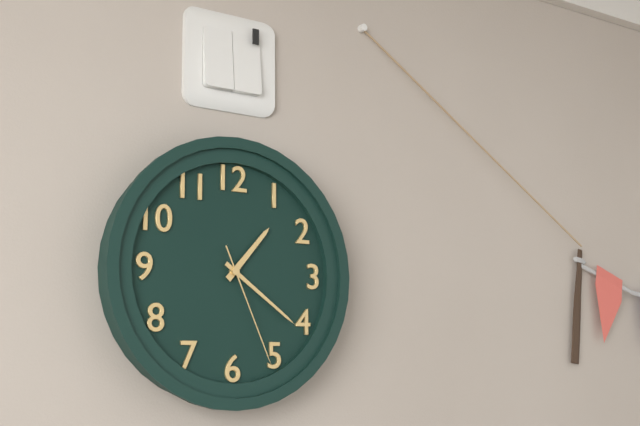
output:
1 h 21 min 26 s
